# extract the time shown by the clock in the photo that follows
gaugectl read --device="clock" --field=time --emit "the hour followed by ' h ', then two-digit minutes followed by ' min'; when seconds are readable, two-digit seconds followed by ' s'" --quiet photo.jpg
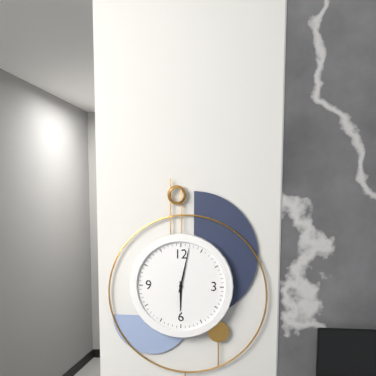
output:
6 h 02 min
